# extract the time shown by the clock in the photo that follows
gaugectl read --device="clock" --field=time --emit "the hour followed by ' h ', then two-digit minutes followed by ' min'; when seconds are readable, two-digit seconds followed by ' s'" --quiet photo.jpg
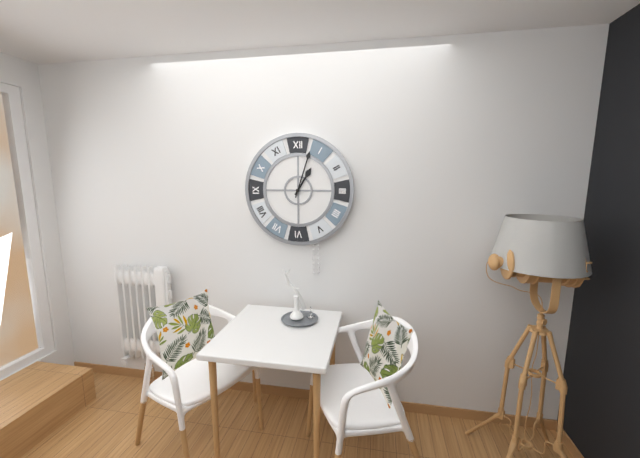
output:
1 h 03 min
